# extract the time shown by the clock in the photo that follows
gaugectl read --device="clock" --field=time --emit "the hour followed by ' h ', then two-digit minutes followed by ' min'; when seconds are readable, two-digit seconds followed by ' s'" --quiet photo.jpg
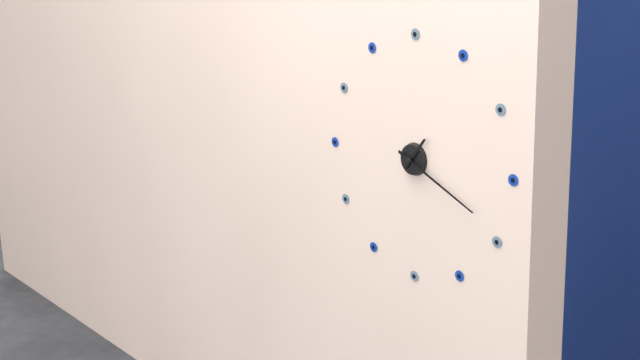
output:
1 h 19 min
